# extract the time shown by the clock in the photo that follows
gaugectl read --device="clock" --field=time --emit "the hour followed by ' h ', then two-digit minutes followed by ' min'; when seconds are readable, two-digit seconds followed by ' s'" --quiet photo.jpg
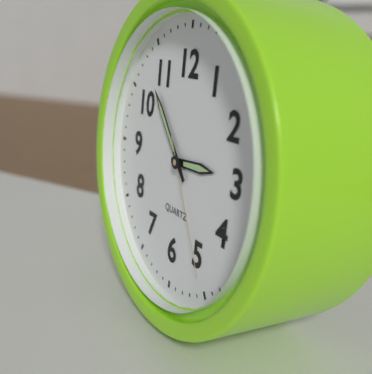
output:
2 h 53 min 25 s
